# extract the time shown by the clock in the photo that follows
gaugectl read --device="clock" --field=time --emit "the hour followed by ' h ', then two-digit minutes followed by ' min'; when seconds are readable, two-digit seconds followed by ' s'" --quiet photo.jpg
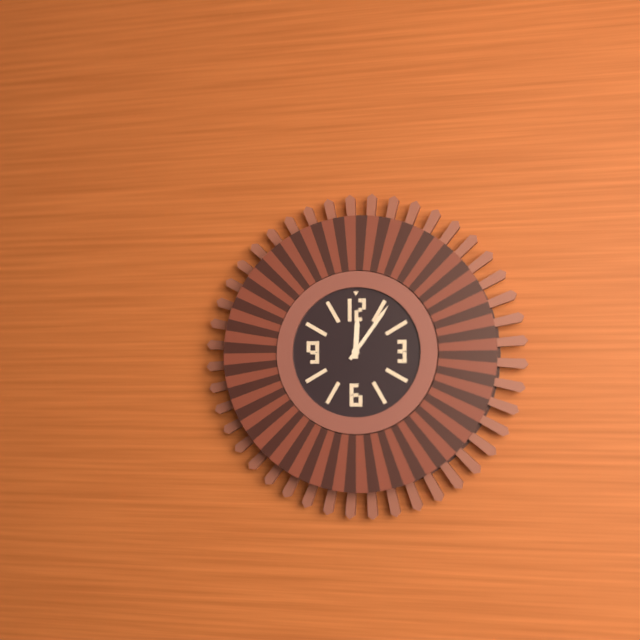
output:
12 h 06 min
